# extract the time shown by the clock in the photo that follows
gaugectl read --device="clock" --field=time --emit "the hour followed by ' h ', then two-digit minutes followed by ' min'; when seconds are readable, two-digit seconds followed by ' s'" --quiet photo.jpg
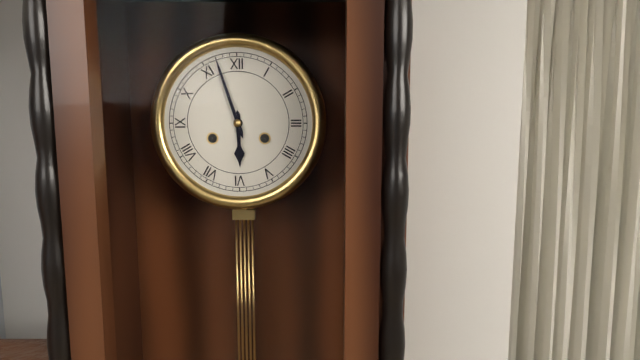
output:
5 h 57 min
